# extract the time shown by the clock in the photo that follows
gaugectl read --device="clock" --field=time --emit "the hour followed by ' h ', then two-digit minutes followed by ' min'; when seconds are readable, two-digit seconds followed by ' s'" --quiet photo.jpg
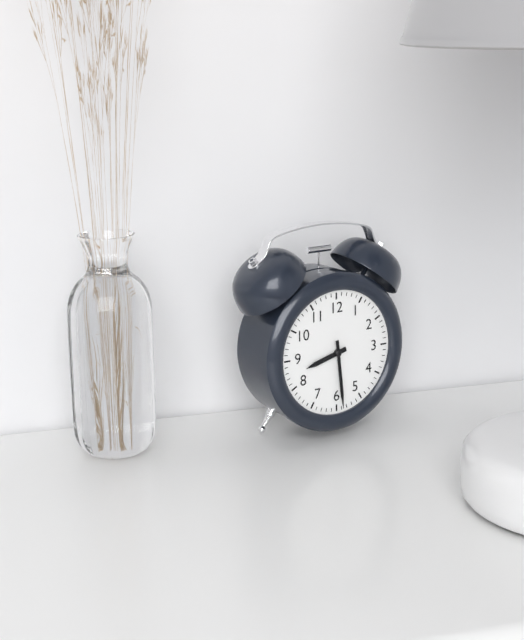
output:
8 h 29 min
